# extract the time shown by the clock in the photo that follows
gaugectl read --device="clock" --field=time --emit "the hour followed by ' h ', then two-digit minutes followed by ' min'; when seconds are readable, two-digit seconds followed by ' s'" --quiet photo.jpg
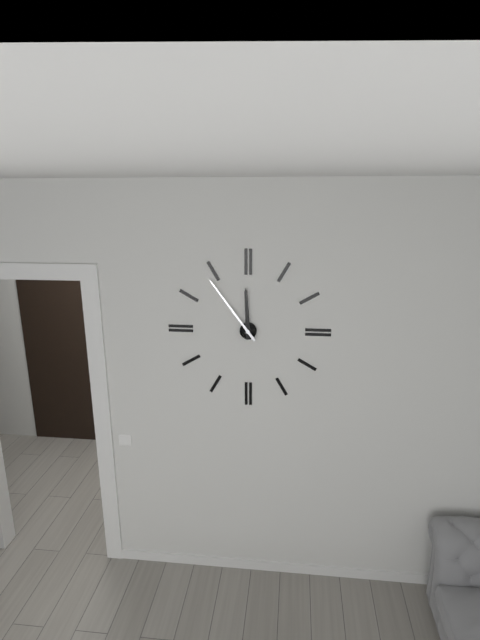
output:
11 h 54 min
